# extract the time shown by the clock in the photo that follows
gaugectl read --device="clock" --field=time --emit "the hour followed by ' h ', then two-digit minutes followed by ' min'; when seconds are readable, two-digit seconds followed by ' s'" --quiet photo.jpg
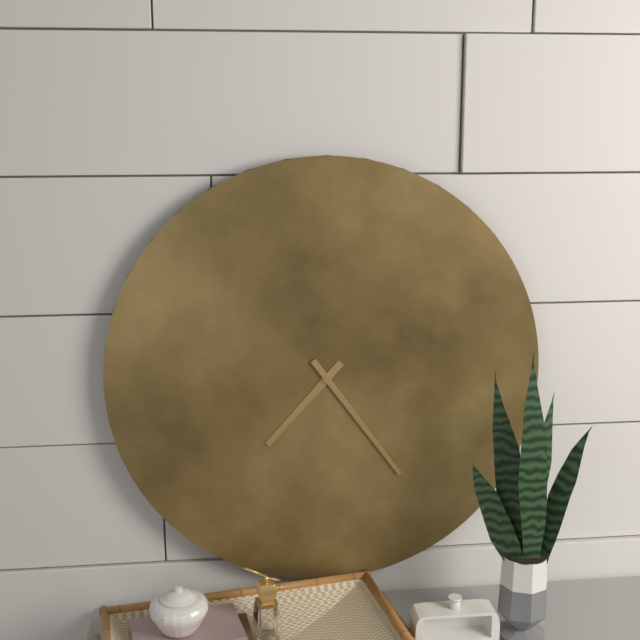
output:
7 h 24 min
